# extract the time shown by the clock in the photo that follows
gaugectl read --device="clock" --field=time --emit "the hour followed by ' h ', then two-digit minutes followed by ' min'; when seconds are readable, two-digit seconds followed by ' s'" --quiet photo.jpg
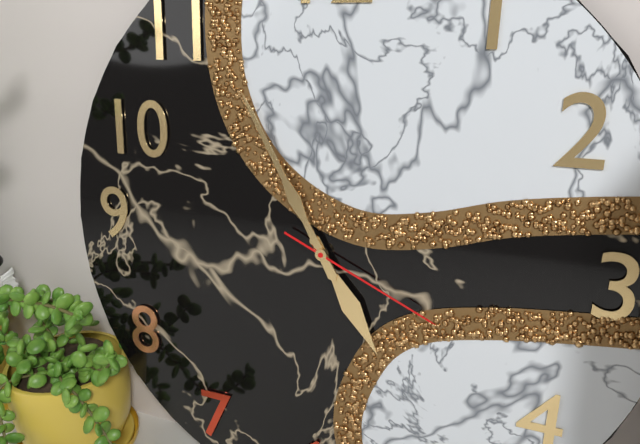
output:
4 h 55 min 19 s
